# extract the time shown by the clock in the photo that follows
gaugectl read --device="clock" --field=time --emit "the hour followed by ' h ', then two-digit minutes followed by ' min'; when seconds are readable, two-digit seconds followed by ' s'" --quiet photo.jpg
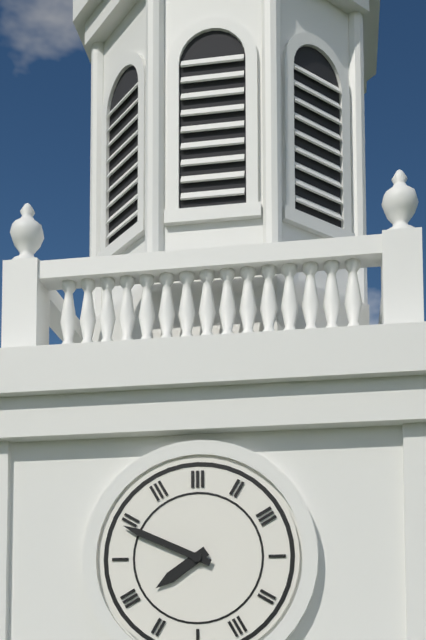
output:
7 h 49 min
